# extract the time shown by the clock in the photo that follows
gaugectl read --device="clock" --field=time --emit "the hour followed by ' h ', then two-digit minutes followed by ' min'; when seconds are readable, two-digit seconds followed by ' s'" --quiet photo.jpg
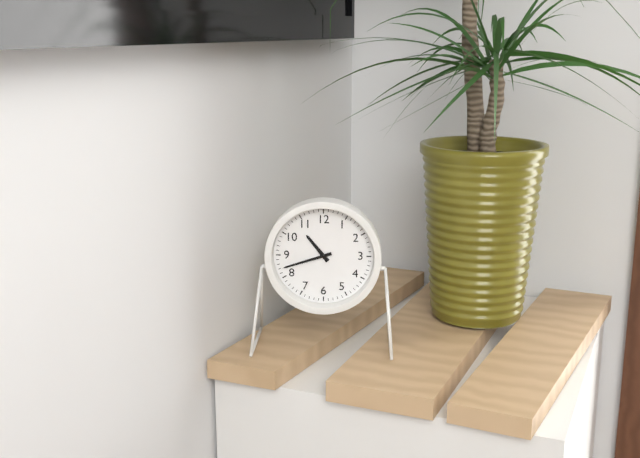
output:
10 h 42 min
